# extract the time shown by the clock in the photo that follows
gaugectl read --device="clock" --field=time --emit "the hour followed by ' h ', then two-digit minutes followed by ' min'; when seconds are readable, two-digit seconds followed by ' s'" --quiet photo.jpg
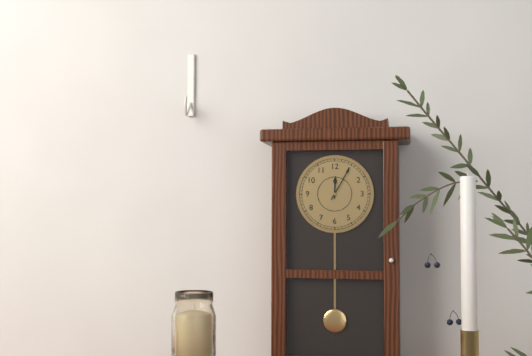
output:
12 h 05 min
